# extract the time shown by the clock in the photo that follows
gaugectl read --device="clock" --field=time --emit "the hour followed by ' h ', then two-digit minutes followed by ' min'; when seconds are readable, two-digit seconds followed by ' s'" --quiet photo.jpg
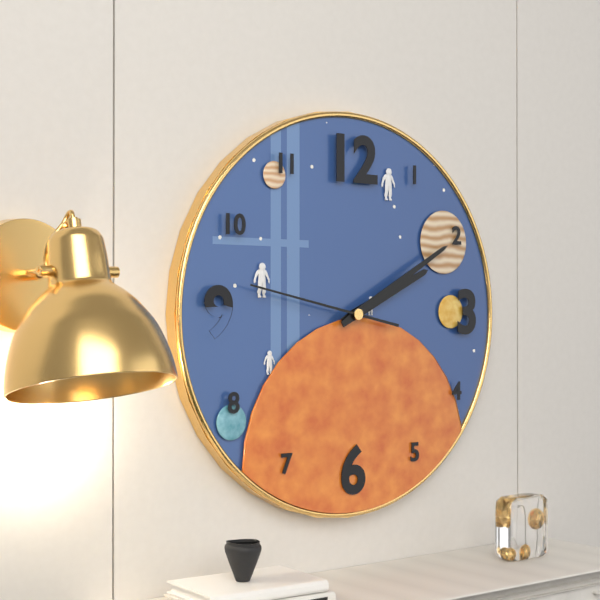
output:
2 h 10 min 47 s
